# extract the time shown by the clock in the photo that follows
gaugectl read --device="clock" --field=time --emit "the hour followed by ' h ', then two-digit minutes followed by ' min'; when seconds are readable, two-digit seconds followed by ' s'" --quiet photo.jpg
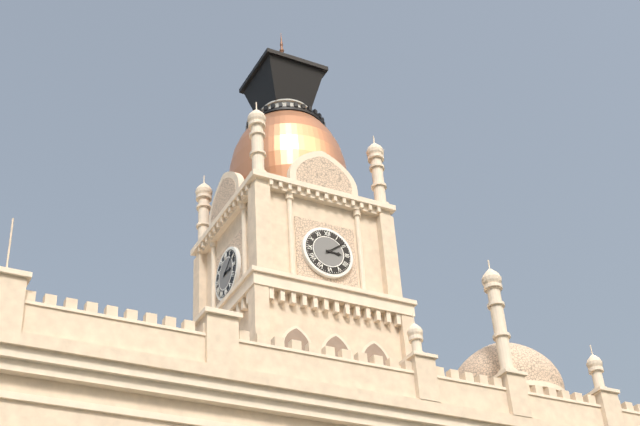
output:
3 h 09 min
